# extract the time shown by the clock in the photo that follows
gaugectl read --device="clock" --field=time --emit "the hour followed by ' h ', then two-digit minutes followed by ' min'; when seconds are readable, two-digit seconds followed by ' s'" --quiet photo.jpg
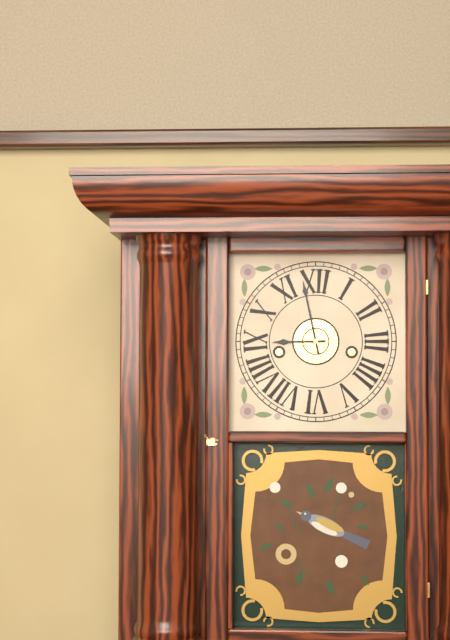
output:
8 h 58 min
